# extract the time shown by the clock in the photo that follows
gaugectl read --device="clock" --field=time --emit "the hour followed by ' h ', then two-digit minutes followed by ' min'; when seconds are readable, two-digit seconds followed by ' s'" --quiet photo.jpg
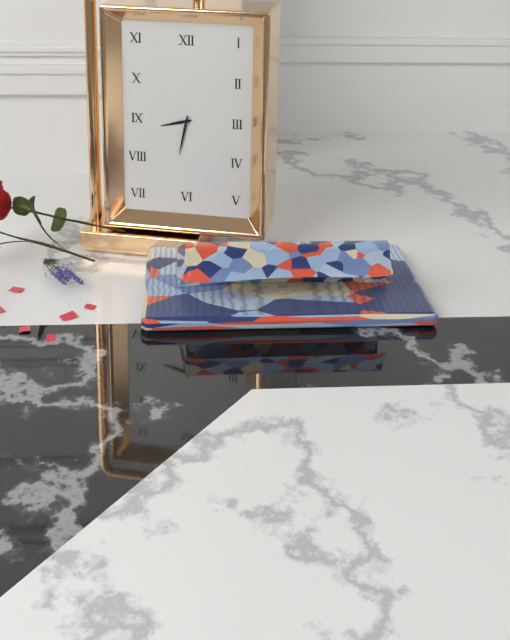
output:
8 h 32 min
